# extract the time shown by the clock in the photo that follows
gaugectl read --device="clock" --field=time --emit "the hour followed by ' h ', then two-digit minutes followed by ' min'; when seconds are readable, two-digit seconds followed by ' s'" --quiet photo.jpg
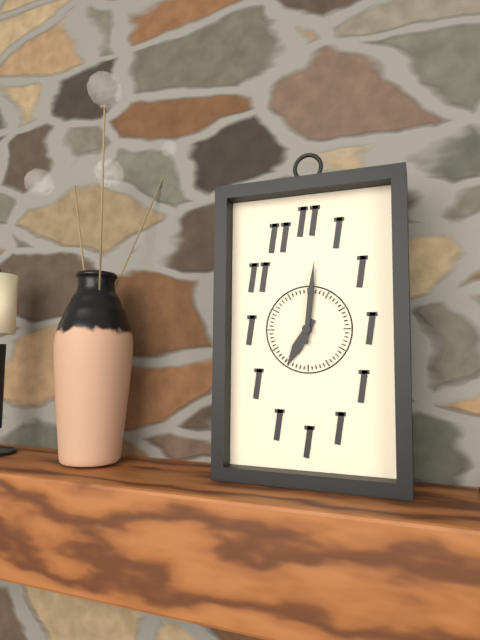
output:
7 h 01 min
